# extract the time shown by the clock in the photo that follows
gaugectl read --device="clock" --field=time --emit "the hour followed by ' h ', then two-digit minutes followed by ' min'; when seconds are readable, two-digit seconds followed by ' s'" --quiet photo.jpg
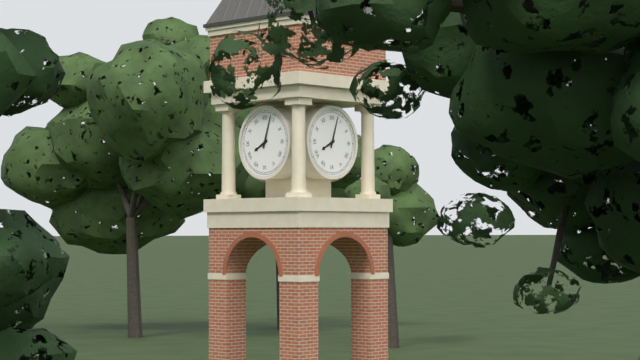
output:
8 h 03 min
